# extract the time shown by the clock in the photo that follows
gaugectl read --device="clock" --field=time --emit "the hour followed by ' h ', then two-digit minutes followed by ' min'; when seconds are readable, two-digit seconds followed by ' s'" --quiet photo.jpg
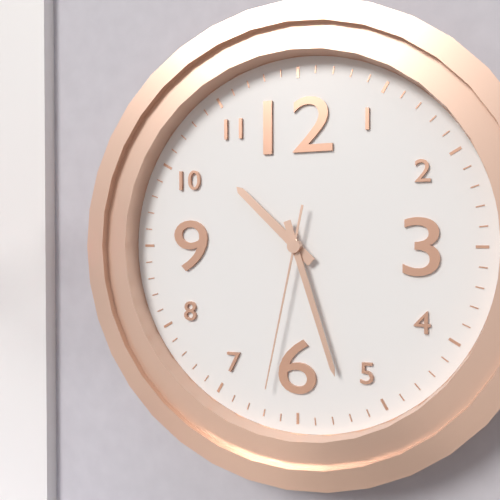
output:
10 h 27 min 32 s
